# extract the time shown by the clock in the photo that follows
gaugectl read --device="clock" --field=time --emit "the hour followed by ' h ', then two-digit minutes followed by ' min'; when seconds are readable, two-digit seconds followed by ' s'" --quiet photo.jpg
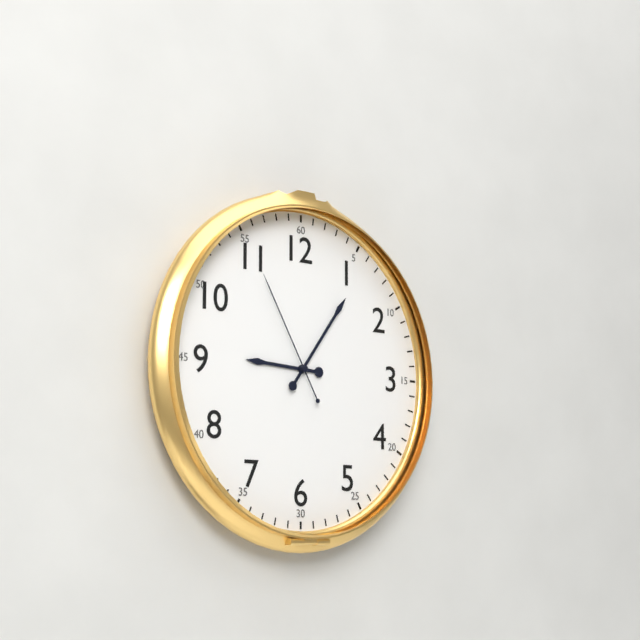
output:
9 h 06 min 55 s
